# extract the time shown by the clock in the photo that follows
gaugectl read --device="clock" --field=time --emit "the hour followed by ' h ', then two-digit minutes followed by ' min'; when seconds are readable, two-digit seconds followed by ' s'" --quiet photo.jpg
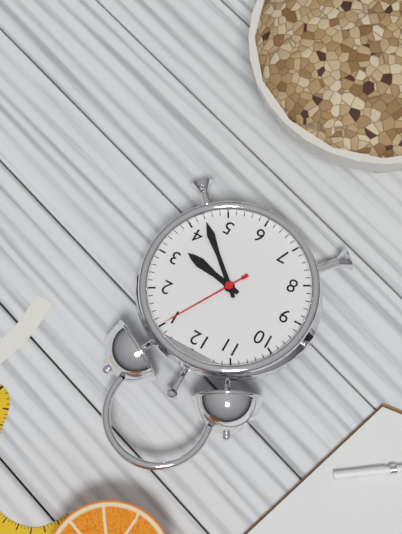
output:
3 h 22 min 05 s
